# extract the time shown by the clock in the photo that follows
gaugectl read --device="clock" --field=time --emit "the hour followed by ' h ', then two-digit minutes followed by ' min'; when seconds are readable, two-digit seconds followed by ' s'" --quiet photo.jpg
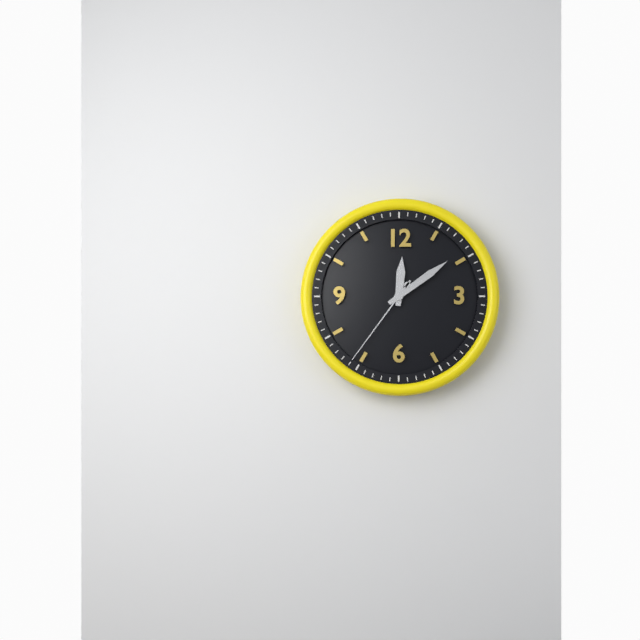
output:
12 h 09 min 36 s
